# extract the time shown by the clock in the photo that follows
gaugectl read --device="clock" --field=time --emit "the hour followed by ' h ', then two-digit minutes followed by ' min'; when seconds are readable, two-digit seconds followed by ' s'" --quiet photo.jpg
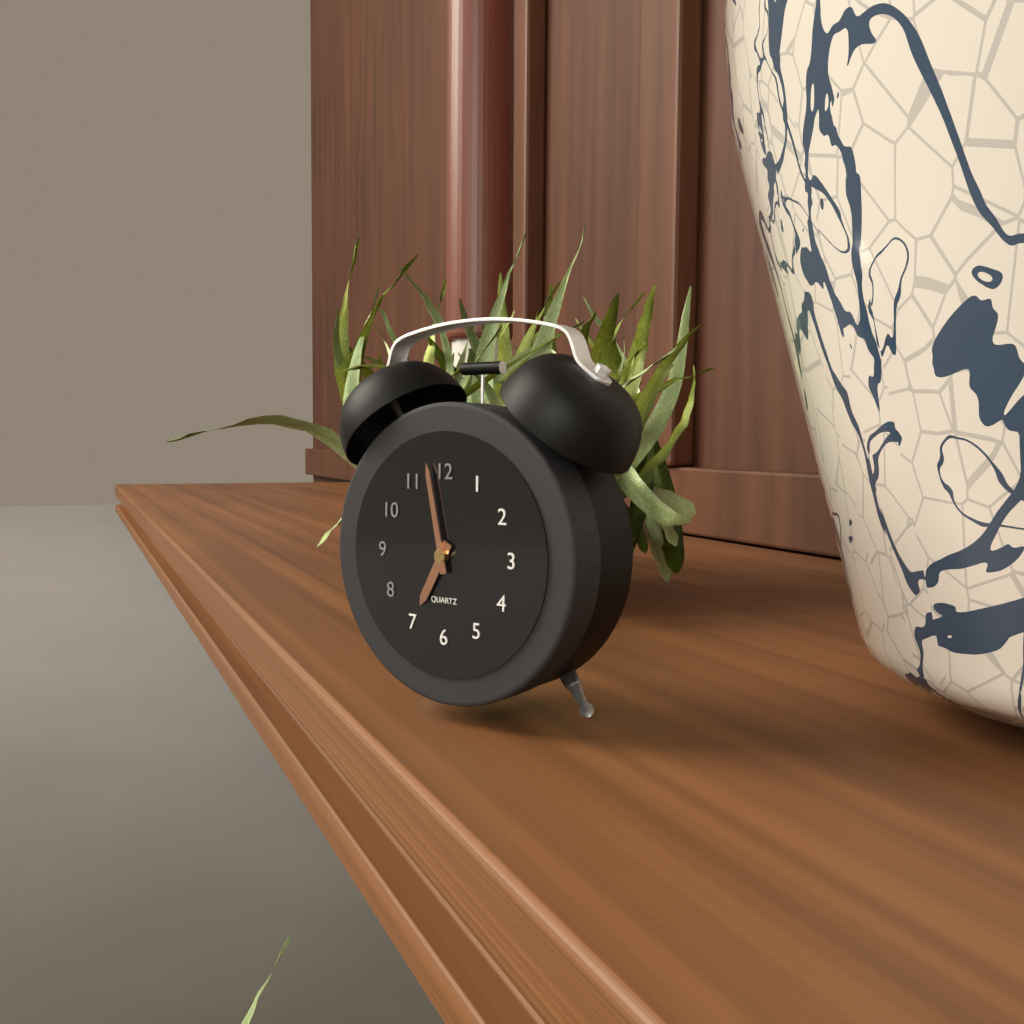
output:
6 h 58 min
